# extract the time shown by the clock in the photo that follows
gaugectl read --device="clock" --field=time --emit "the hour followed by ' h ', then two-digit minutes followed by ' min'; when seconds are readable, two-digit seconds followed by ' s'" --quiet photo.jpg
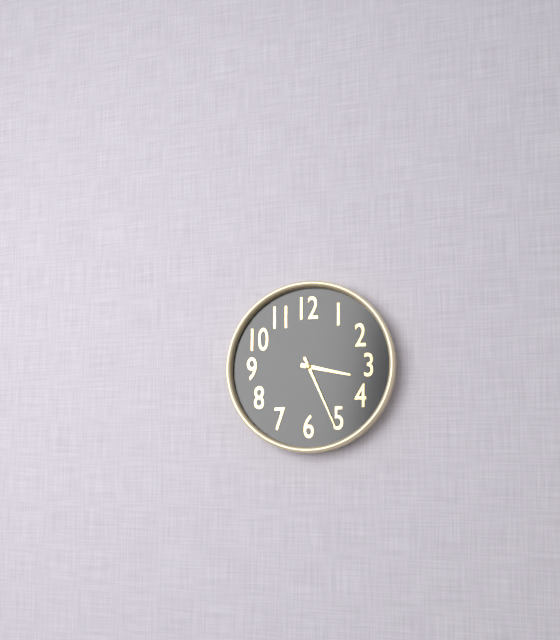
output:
3 h 26 min
